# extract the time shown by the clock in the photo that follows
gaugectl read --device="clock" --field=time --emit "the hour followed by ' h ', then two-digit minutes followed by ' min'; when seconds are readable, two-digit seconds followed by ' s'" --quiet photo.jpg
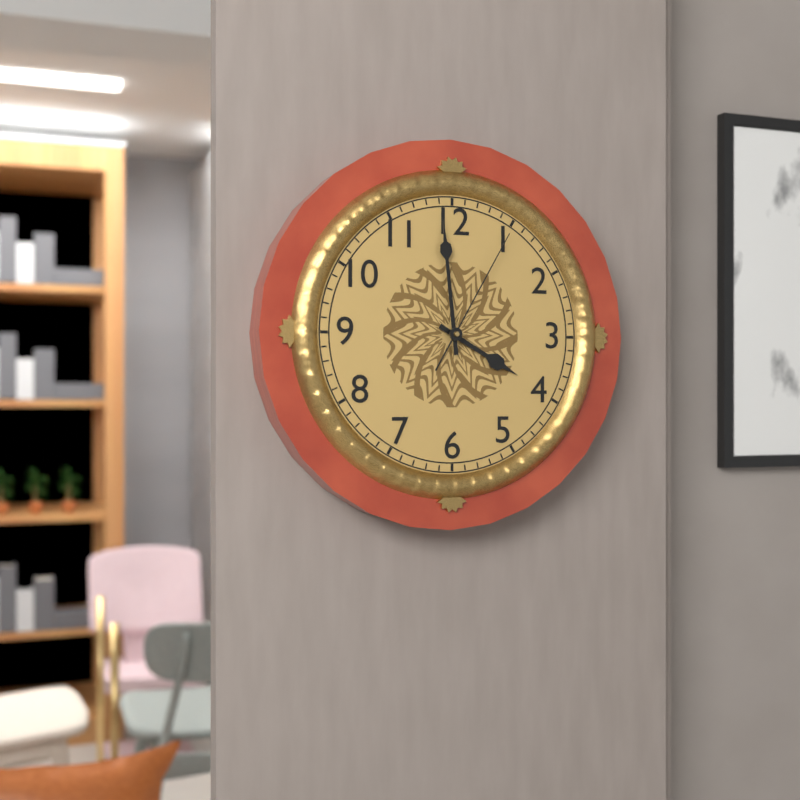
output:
3 h 59 min 05 s
